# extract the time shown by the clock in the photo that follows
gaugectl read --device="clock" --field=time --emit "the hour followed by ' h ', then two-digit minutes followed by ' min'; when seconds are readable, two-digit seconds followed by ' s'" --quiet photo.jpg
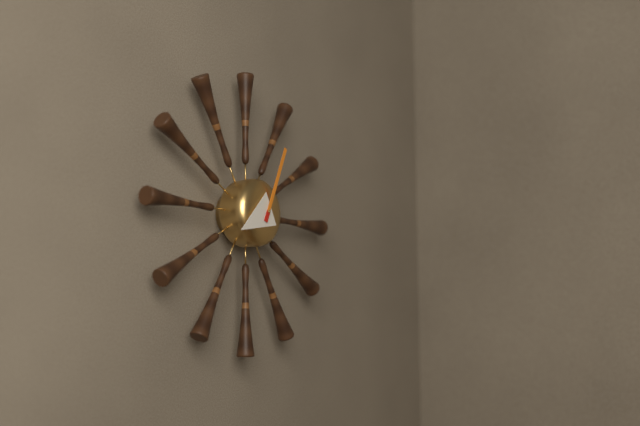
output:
8 h 04 min
